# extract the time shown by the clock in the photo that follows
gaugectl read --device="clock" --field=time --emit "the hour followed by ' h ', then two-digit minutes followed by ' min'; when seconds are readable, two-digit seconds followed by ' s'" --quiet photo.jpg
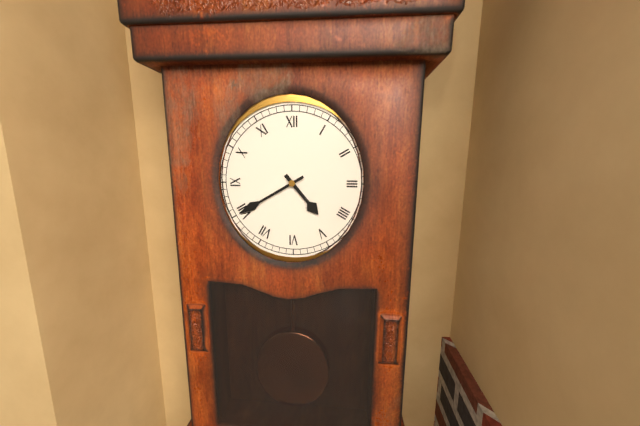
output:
4 h 40 min
